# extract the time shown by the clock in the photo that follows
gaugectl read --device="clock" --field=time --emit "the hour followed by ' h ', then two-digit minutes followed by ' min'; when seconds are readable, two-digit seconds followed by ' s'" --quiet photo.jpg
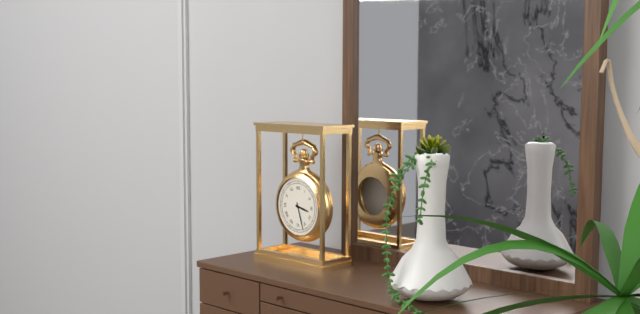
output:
3 h 27 min
